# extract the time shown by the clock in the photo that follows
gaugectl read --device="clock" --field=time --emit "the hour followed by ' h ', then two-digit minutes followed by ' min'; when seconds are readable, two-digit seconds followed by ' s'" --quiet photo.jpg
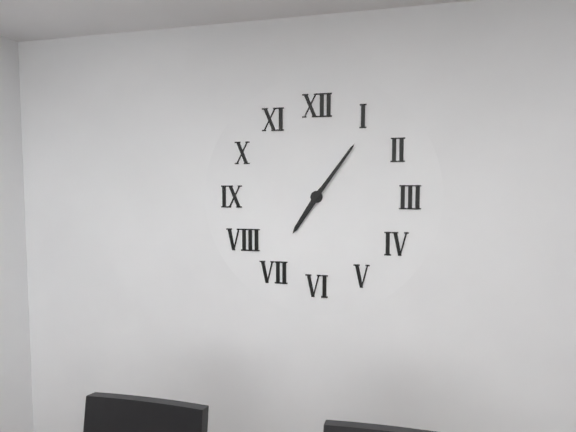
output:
7 h 06 min
